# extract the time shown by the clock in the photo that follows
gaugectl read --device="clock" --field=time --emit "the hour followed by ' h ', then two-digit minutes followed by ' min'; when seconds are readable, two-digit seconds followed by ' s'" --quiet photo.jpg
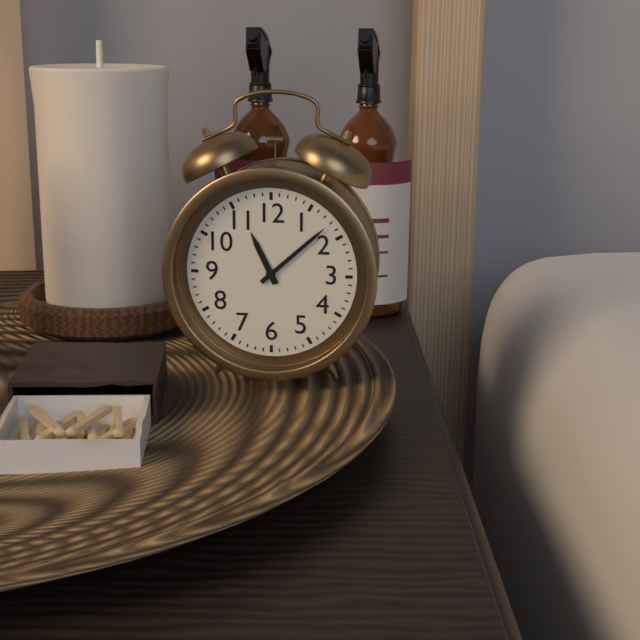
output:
11 h 08 min
